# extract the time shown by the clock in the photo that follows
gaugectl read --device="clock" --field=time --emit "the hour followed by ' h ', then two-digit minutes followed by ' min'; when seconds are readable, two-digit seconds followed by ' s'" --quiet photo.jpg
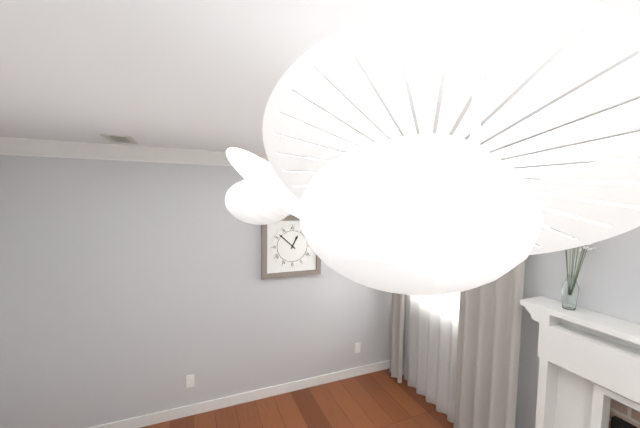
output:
12 h 52 min
